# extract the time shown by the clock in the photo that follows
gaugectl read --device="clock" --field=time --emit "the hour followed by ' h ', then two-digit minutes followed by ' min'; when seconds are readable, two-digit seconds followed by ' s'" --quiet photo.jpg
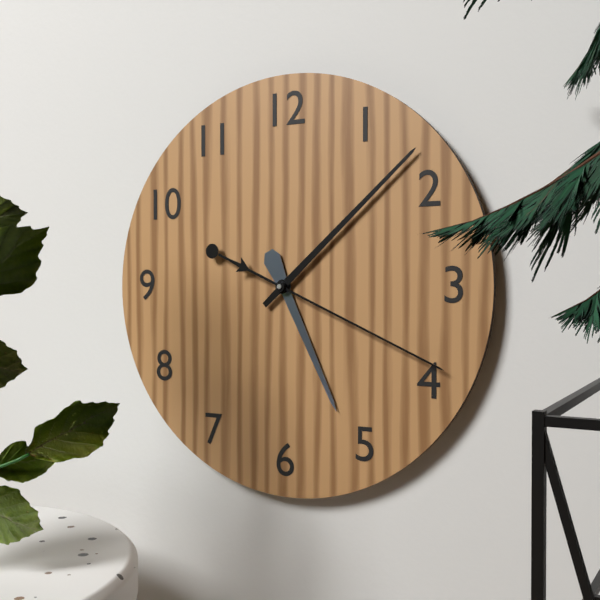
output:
5 h 08 min 19 s
